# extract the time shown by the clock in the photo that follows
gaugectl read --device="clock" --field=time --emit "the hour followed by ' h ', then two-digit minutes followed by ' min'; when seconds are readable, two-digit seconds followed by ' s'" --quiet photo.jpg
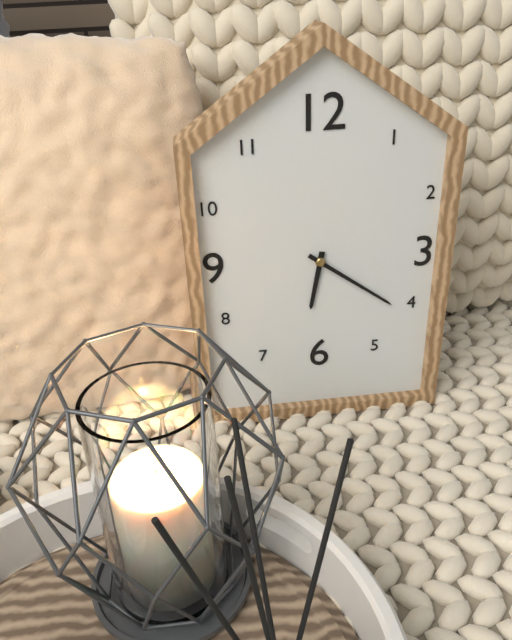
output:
6 h 21 min
